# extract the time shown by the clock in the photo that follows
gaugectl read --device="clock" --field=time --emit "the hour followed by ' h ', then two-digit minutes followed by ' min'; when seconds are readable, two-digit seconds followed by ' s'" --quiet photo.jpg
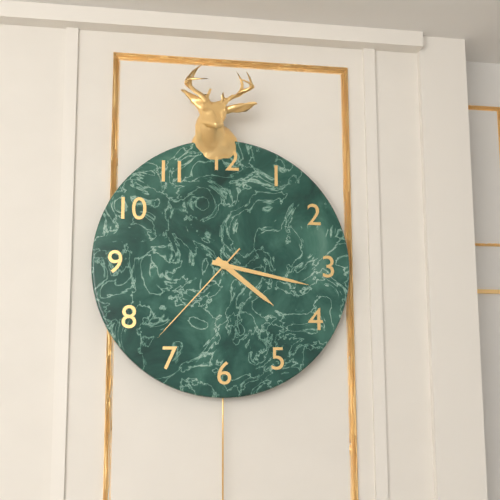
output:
4 h 17 min 37 s
